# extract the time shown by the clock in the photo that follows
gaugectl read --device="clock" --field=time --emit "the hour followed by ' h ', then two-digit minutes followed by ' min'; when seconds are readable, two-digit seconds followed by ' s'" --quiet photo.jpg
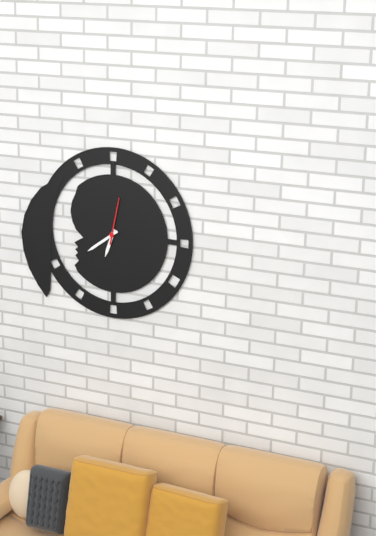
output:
6 h 39 min
